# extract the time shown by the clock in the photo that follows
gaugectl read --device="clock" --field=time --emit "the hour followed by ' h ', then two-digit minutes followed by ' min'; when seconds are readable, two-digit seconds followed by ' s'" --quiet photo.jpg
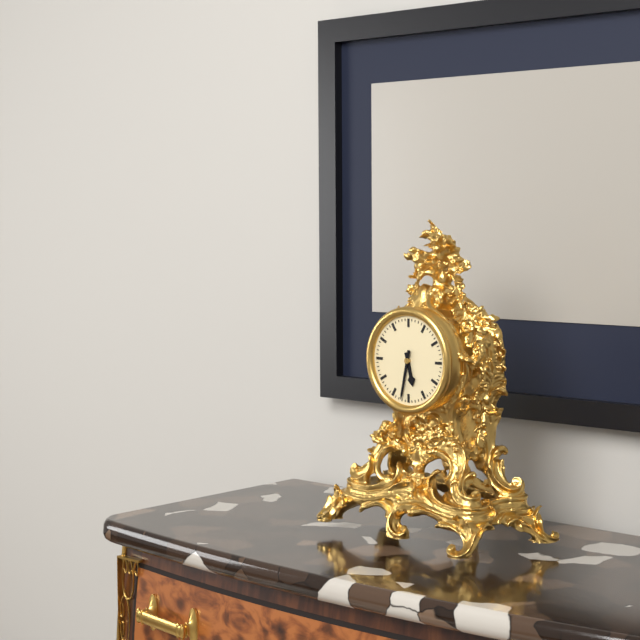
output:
5 h 32 min
